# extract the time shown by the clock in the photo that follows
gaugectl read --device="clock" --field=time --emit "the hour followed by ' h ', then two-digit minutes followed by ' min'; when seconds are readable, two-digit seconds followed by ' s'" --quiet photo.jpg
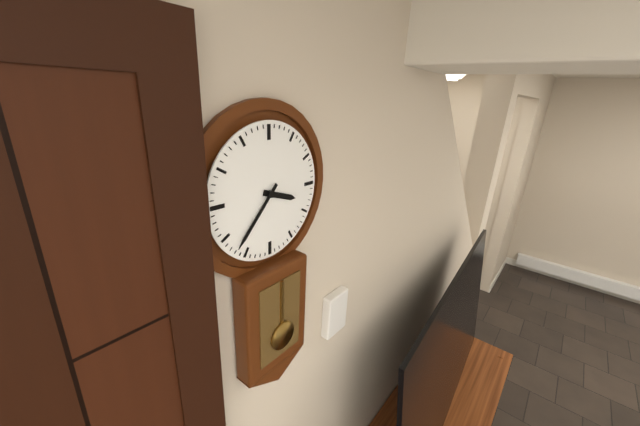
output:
3 h 37 min
